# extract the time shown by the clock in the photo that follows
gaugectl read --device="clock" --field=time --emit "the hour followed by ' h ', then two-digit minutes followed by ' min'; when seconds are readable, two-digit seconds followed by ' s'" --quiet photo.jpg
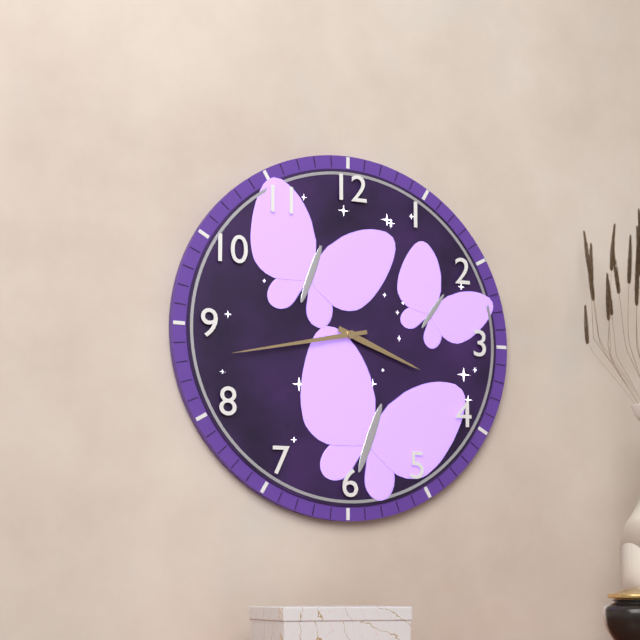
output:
3 h 43 min
